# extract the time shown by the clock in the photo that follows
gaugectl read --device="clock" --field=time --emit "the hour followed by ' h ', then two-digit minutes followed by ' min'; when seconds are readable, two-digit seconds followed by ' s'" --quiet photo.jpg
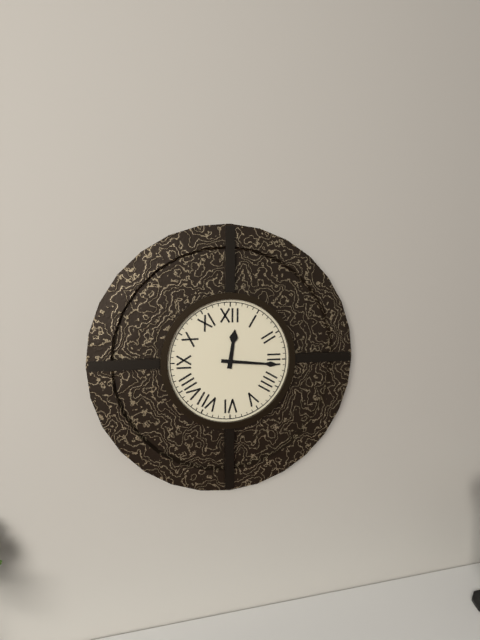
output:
12 h 16 min
